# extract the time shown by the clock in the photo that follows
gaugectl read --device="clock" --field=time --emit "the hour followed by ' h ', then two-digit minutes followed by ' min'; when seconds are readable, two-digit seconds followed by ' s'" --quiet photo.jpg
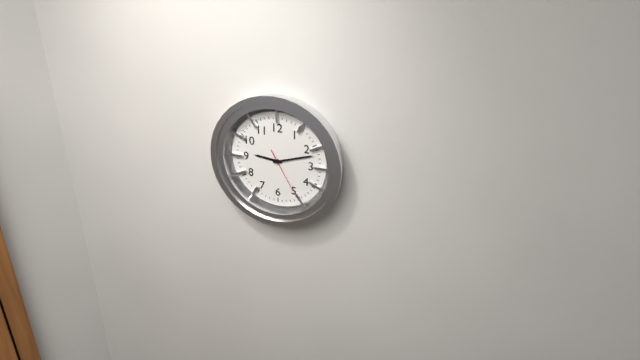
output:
9 h 12 min 25 s
